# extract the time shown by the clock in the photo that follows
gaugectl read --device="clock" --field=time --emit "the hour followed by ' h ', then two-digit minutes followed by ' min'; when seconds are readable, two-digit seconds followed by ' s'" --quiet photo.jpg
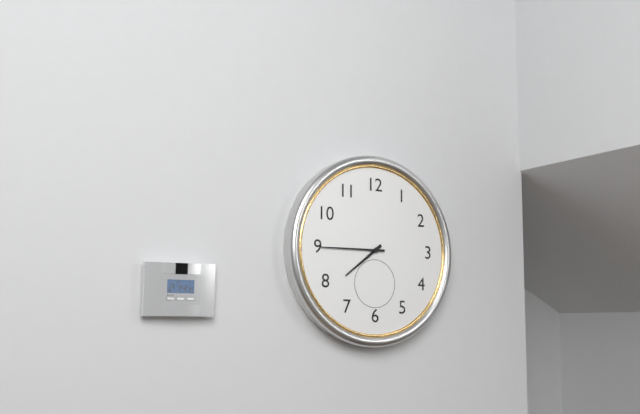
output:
7 h 45 min
